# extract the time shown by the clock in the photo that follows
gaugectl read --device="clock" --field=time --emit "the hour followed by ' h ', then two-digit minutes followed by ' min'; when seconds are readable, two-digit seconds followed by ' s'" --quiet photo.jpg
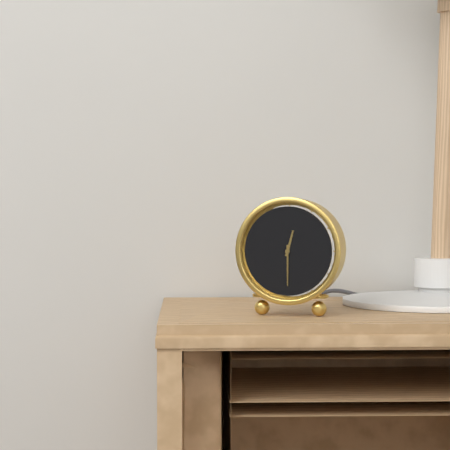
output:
12 h 30 min
